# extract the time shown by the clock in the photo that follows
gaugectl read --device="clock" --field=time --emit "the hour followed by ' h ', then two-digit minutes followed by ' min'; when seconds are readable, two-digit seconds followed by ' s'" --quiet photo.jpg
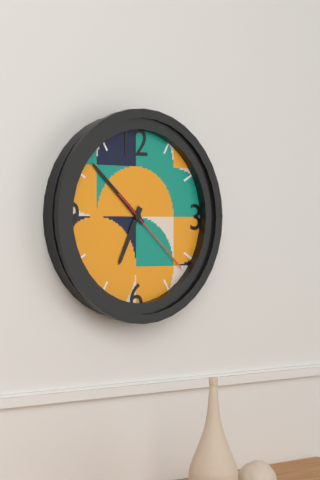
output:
6 h 52 min 22 s
